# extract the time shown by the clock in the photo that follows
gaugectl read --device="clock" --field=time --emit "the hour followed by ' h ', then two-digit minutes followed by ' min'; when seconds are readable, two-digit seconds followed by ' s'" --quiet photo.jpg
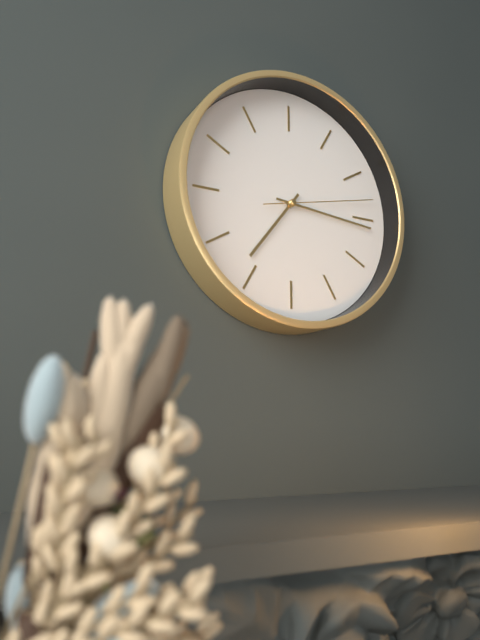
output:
7 h 16 min 13 s
